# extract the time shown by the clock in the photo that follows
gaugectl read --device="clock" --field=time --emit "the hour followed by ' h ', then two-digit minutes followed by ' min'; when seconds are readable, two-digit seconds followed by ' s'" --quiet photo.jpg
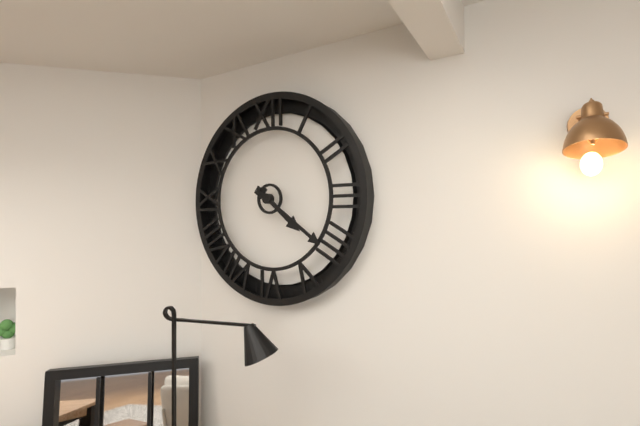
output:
4 h 21 min
